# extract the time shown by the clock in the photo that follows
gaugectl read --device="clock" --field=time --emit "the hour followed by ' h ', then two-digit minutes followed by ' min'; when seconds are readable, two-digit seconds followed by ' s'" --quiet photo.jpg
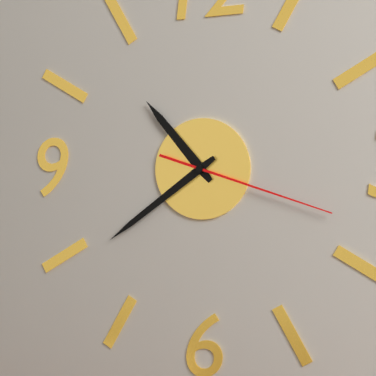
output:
10 h 39 min 18 s
